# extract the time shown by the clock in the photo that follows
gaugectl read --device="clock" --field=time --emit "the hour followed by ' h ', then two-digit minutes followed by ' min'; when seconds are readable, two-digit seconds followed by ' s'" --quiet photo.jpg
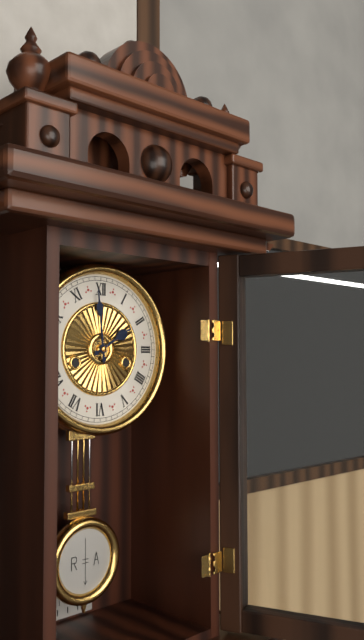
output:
1 h 59 min
